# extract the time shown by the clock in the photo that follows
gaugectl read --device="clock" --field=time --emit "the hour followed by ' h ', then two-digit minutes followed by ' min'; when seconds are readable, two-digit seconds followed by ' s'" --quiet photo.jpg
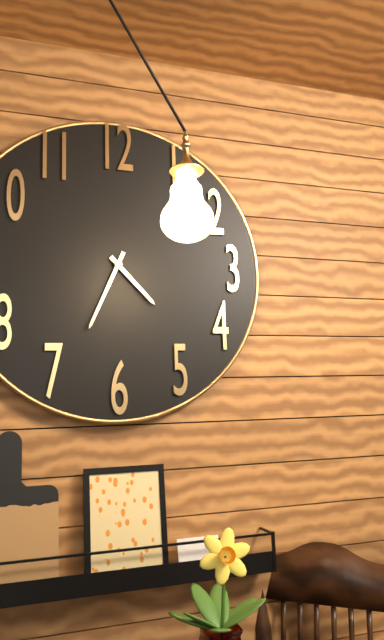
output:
4 h 34 min
